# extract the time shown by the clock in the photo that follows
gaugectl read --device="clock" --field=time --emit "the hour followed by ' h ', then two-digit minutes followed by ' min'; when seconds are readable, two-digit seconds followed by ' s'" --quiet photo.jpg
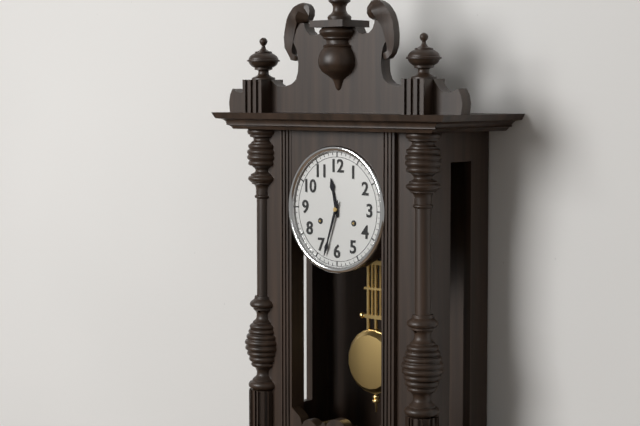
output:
11 h 33 min
